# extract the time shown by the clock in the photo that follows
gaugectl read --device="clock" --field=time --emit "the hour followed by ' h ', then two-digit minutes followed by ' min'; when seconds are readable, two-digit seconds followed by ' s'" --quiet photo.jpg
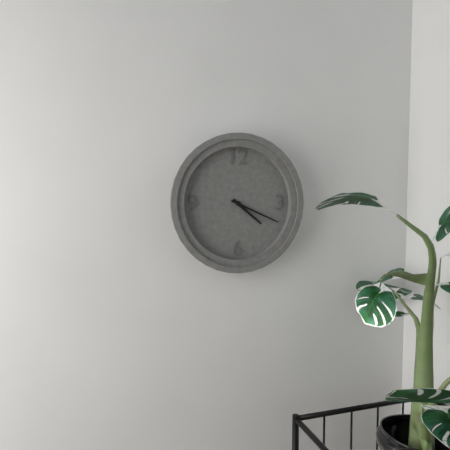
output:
4 h 19 min
